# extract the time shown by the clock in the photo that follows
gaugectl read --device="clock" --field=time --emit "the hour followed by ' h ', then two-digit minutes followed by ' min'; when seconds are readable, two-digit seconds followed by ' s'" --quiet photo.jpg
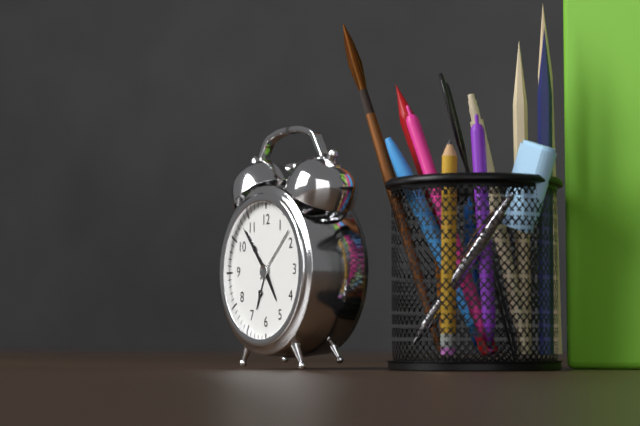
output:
4 h 53 min
